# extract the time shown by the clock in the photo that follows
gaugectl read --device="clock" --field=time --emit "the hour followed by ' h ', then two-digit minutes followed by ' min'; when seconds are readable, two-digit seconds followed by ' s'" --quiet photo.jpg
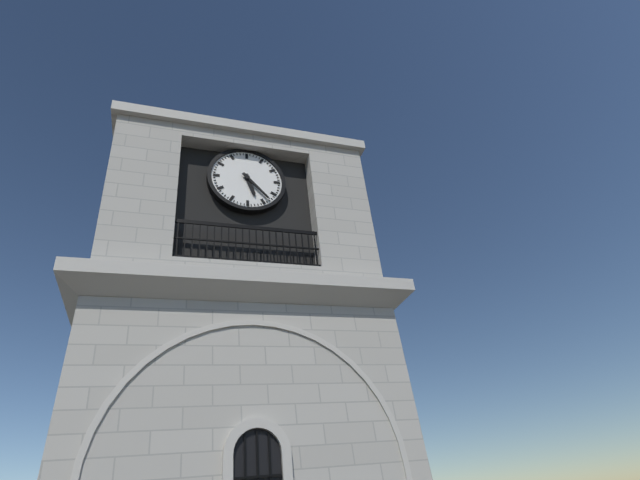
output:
5 h 23 min
